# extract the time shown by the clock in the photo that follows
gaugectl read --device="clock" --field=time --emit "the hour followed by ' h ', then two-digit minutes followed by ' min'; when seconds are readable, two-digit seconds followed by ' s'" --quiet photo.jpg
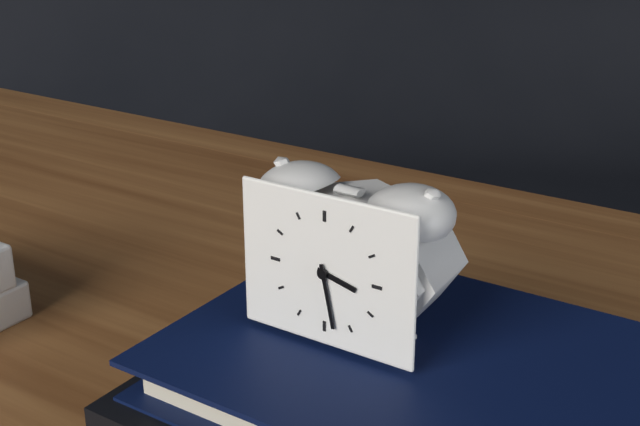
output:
3 h 28 min
